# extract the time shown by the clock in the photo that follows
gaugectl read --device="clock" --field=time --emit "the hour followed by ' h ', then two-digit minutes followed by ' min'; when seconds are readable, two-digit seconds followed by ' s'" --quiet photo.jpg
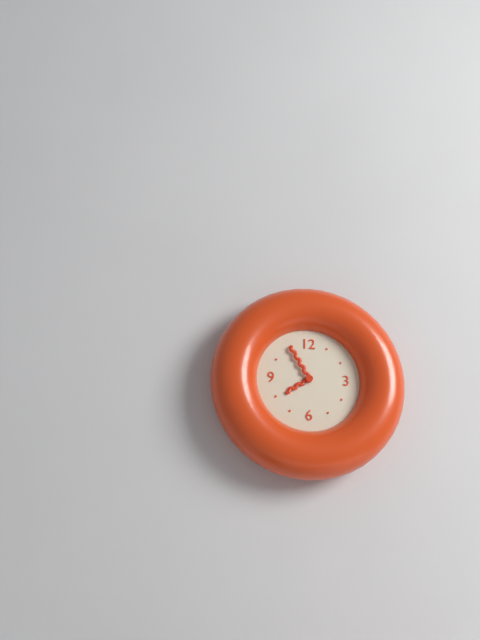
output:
7 h 55 min
